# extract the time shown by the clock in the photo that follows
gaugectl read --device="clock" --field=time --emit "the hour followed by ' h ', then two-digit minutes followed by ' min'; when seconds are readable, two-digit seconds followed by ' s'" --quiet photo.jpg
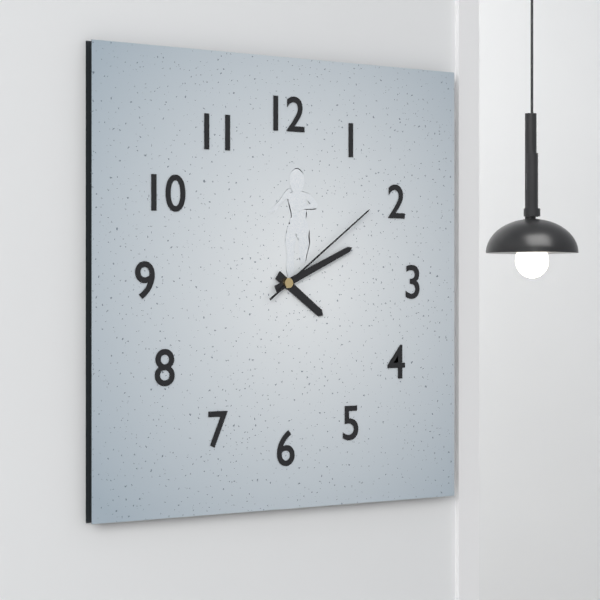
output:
4 h 11 min 09 s
